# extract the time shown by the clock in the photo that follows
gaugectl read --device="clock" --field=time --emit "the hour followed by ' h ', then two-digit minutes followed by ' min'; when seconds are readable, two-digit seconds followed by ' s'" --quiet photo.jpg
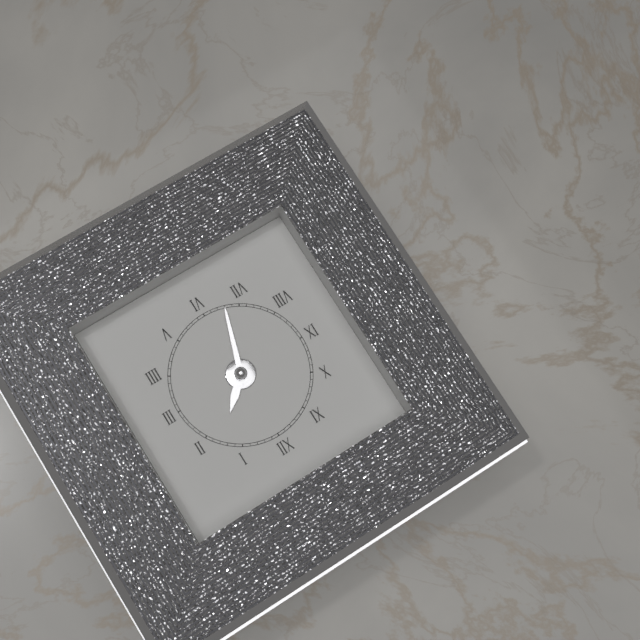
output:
1 h 33 min
